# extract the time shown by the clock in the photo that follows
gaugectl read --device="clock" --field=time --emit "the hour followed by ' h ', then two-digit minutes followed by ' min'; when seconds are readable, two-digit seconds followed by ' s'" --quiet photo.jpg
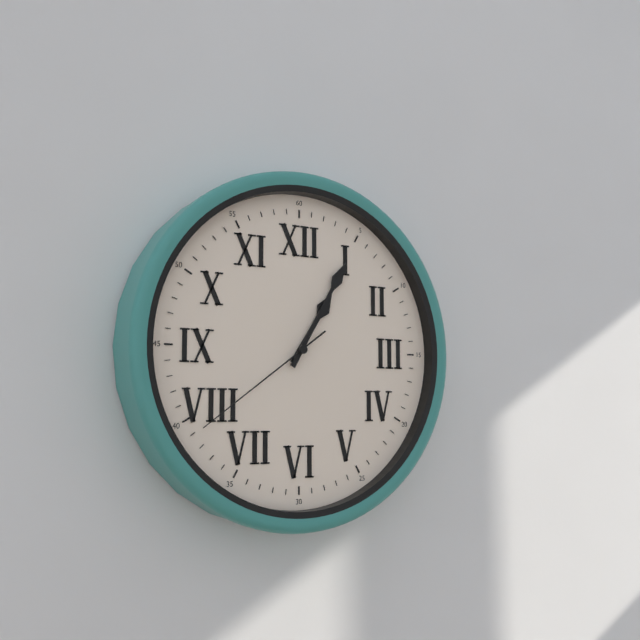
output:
1 h 05 min 39 s
